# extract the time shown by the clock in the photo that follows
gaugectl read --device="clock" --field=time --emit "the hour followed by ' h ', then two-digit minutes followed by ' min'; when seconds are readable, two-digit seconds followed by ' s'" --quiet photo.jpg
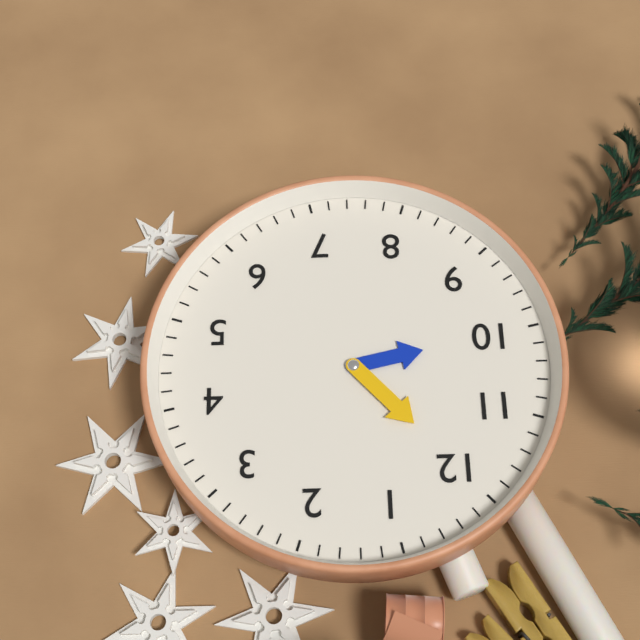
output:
10 h 00 min
